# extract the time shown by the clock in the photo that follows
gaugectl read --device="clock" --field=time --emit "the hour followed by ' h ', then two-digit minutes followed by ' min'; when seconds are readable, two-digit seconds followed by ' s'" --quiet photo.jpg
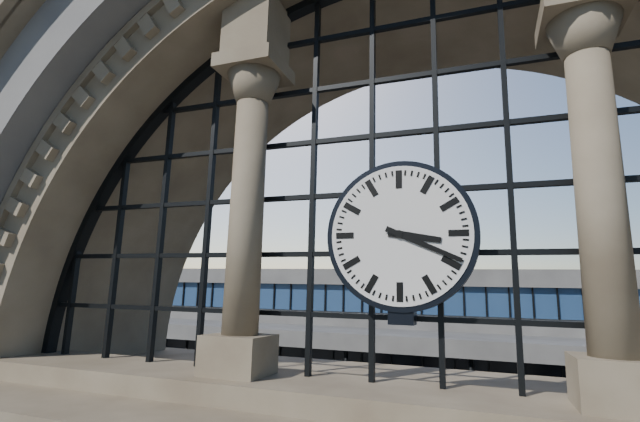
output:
3 h 19 min
